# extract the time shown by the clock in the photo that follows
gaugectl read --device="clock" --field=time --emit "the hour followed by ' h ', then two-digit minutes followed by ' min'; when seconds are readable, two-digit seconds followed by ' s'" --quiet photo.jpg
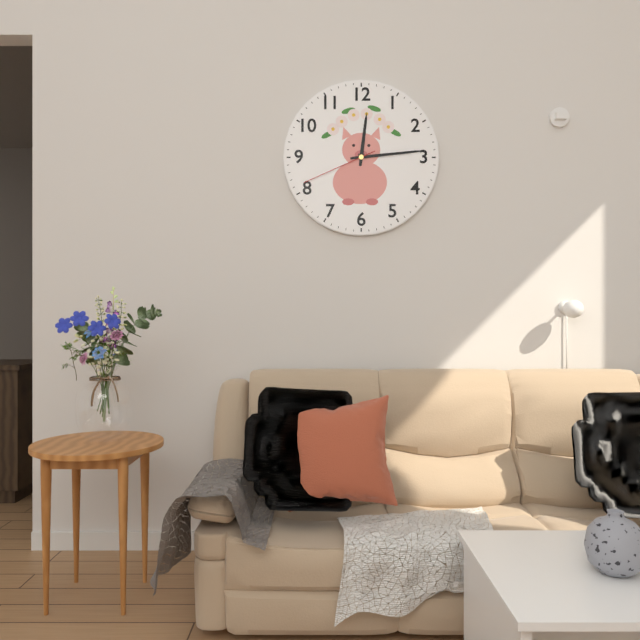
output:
12 h 14 min 41 s
